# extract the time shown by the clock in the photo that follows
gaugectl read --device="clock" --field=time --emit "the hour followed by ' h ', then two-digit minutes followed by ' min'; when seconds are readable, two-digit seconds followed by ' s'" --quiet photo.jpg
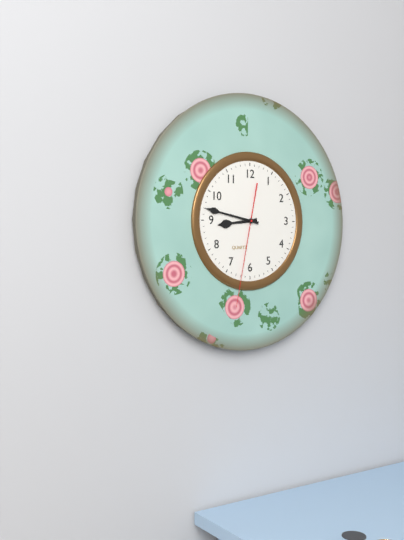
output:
8 h 47 min 32 s
